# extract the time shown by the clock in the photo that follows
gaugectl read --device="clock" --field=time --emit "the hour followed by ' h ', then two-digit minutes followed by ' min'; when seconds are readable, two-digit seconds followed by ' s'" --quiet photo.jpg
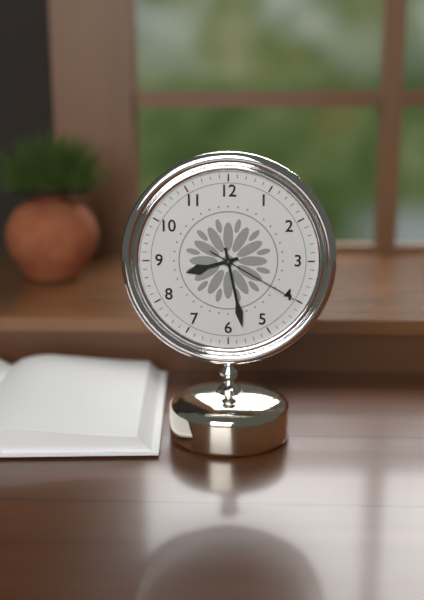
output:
8 h 28 min 20 s
